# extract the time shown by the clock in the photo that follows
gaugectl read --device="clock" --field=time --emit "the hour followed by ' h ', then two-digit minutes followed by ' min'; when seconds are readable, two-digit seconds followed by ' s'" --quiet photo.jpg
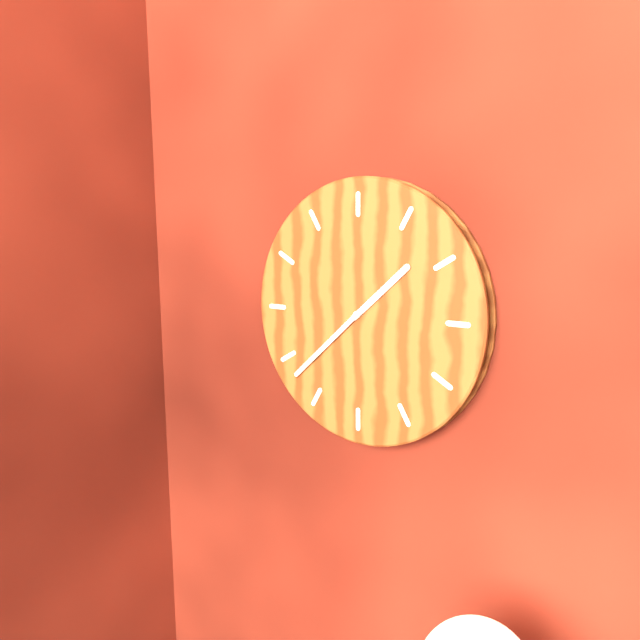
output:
1 h 38 min
